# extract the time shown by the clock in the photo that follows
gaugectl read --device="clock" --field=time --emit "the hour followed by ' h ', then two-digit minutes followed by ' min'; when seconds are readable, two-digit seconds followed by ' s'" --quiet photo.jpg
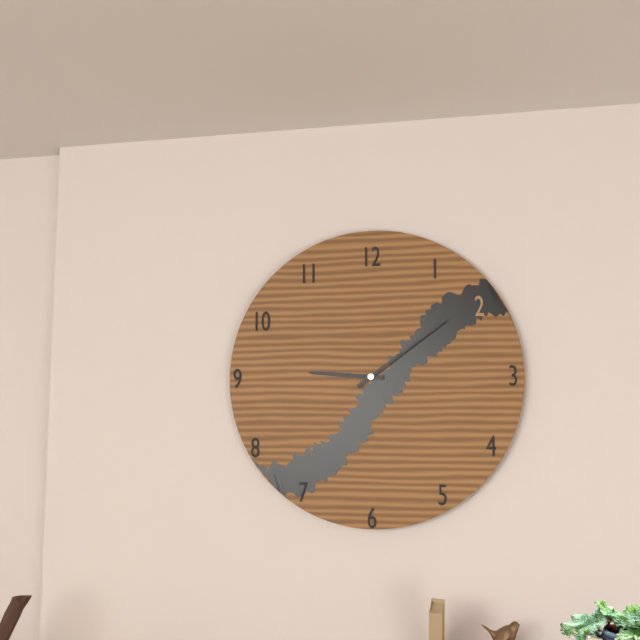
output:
9 h 09 min
